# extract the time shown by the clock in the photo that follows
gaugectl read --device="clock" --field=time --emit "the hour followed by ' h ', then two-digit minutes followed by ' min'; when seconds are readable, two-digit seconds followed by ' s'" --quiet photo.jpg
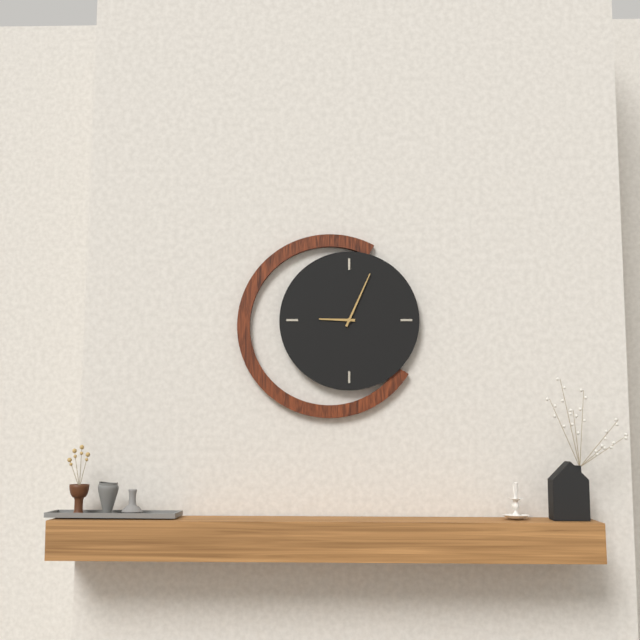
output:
9 h 04 min
